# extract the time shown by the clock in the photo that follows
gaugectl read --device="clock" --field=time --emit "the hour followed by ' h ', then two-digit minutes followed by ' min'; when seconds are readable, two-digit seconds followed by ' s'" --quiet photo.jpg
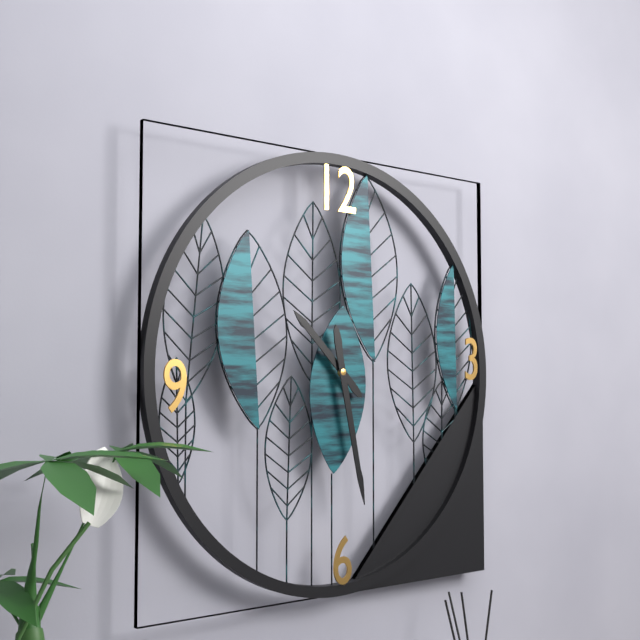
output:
10 h 28 min
